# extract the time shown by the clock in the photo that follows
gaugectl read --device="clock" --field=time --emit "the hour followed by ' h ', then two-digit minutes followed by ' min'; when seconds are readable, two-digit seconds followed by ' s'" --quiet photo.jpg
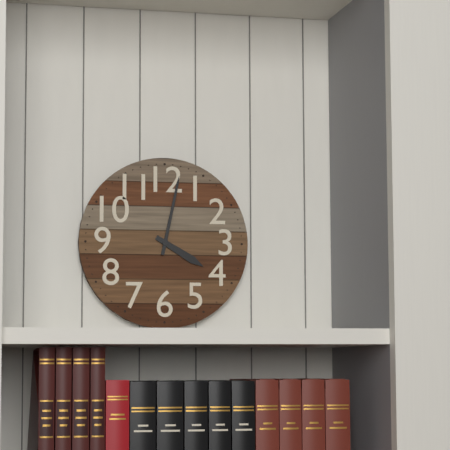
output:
4 h 02 min
